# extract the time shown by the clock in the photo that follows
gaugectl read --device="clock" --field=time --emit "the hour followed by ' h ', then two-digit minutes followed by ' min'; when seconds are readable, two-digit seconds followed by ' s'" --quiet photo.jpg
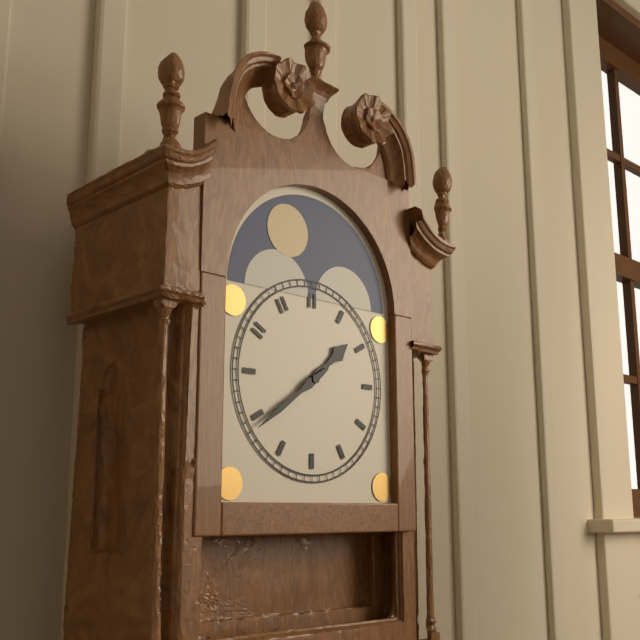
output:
1 h 39 min
